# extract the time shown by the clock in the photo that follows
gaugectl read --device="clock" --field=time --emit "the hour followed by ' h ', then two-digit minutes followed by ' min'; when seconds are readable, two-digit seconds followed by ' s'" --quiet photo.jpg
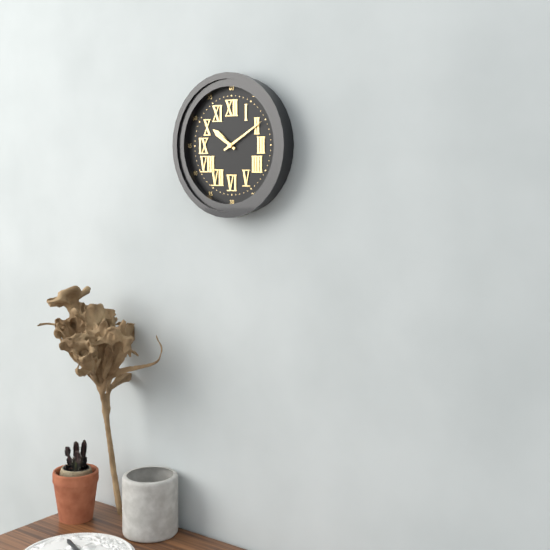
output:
10 h 10 min
